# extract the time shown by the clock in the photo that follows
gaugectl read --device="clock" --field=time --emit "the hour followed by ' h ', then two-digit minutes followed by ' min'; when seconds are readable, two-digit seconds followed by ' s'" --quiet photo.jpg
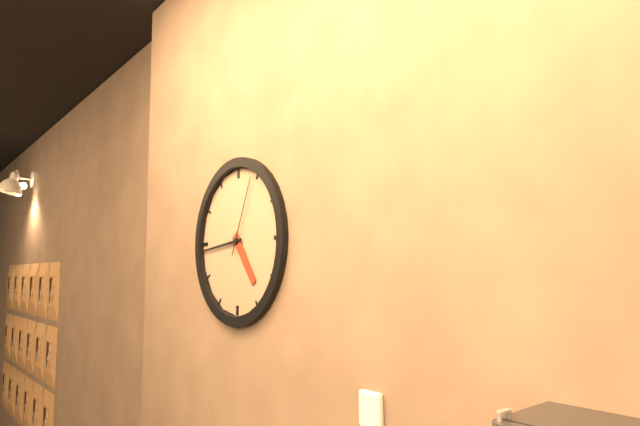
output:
4 h 44 min 04 s
